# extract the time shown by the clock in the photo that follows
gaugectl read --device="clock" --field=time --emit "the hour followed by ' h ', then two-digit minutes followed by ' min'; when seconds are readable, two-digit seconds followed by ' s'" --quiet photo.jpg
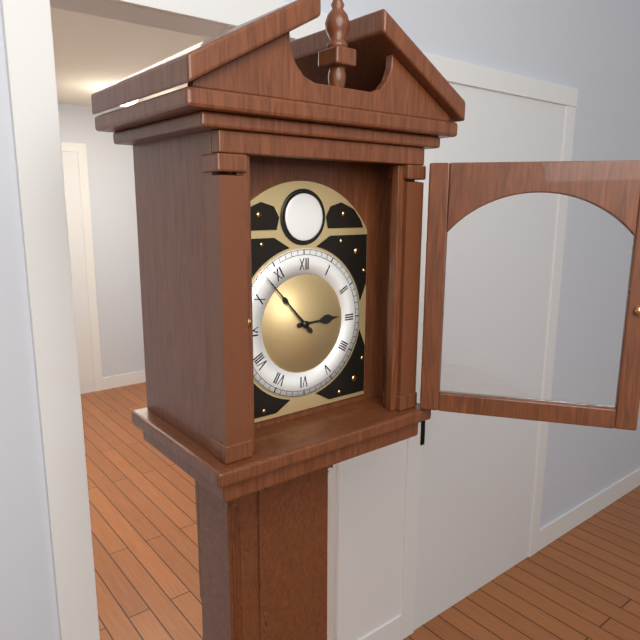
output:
2 h 53 min
